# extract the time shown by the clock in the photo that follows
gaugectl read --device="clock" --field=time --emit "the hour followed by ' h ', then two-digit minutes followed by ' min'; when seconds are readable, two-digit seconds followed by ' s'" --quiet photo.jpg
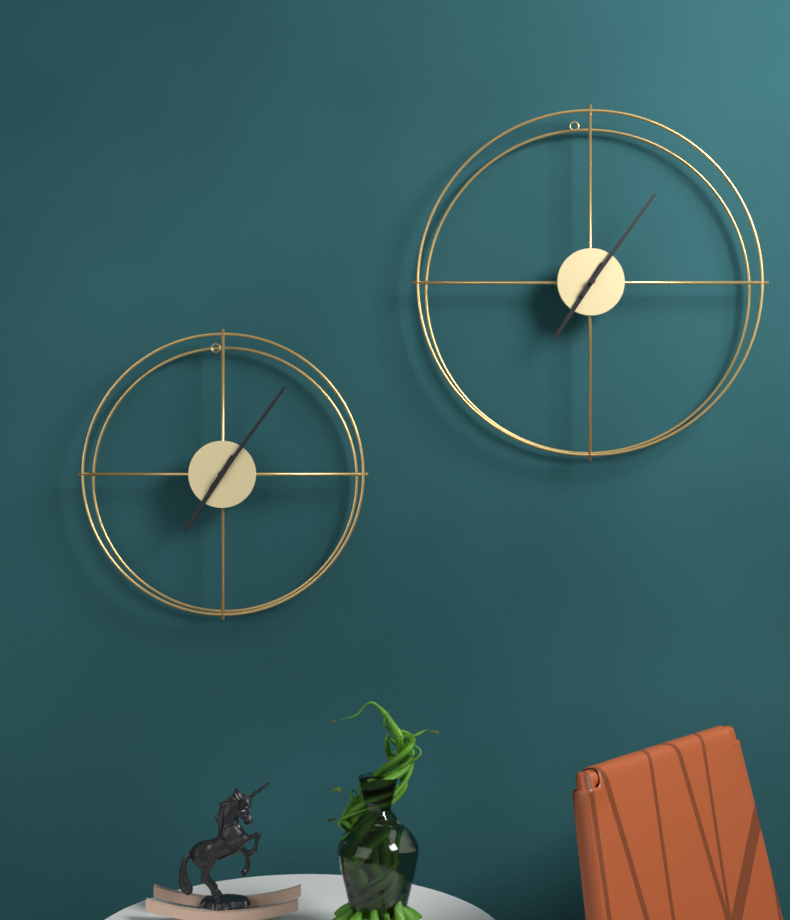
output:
7 h 06 min
